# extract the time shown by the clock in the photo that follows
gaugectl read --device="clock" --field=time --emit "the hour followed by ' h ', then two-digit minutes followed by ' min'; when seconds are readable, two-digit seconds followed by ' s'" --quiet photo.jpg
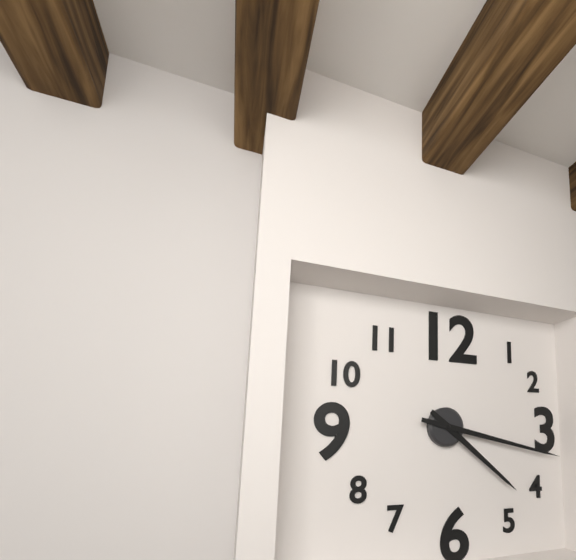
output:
4 h 17 min
